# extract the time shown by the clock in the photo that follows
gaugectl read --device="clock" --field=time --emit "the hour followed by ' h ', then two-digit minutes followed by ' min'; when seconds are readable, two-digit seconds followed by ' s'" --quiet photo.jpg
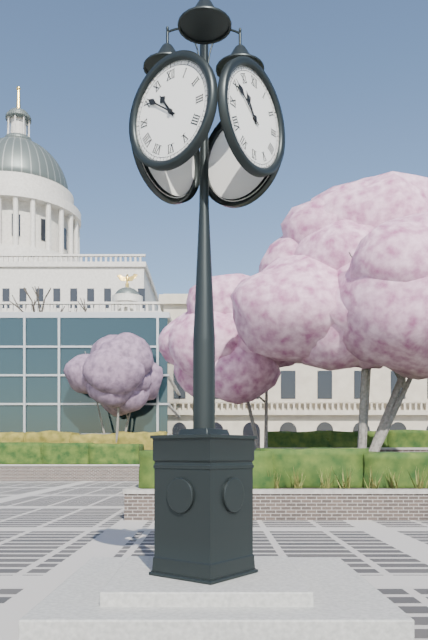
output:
10 h 51 min
